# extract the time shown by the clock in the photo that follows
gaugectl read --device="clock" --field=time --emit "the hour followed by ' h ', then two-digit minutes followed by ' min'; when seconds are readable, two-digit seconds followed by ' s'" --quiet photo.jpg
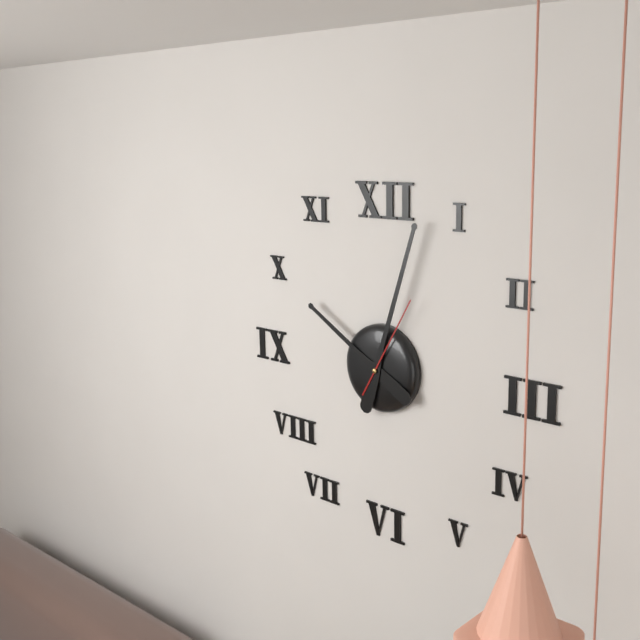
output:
10 h 03 min 05 s
